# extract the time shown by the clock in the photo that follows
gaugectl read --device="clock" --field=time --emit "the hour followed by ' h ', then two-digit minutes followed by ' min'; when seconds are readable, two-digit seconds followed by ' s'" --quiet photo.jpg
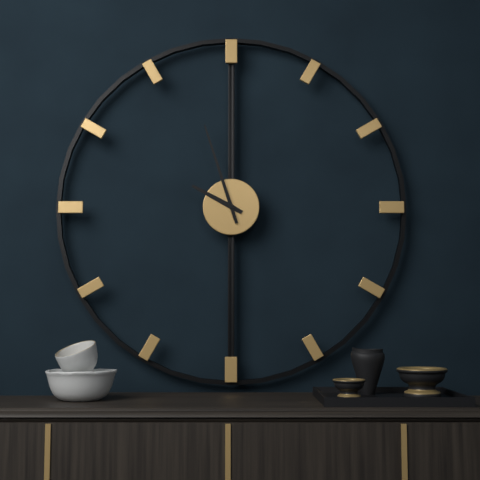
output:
9 h 57 min
